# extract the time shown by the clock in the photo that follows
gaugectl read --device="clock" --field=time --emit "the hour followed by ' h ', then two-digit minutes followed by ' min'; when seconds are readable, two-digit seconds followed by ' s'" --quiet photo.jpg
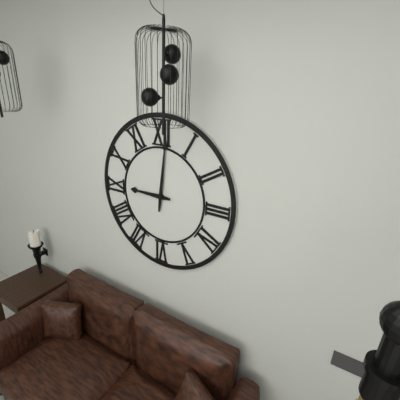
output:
9 h 01 min
